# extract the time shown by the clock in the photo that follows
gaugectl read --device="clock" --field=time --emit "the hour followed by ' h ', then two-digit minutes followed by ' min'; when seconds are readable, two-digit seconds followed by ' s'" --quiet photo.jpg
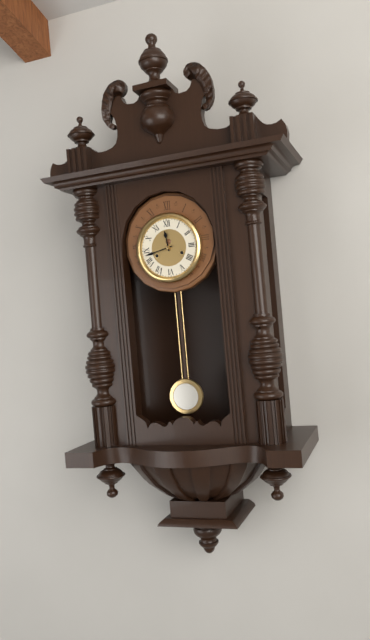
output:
11 h 43 min
